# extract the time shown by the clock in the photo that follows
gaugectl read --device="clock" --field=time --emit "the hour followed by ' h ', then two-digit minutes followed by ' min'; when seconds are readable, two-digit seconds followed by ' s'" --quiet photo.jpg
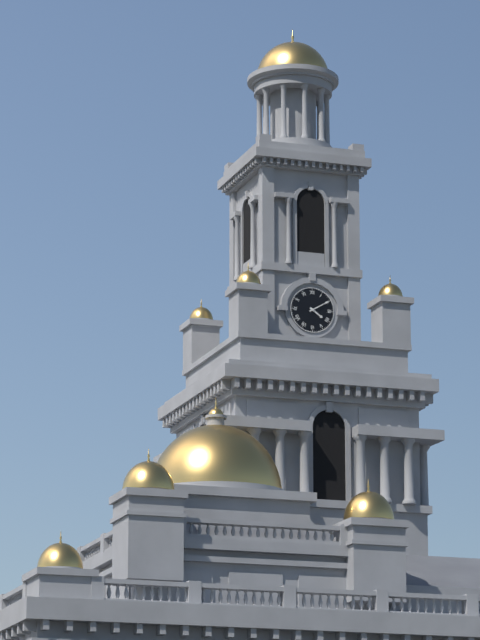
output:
4 h 10 min
